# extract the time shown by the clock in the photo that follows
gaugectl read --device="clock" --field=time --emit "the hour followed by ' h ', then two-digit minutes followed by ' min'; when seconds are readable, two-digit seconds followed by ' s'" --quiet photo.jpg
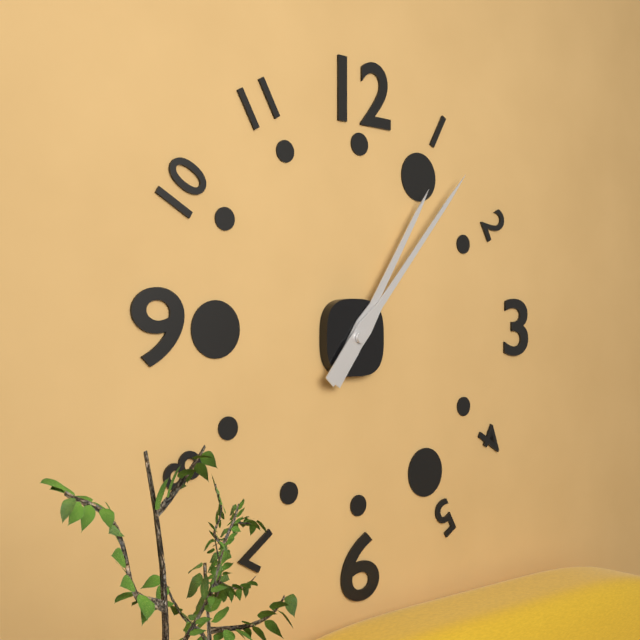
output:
1 h 07 min
